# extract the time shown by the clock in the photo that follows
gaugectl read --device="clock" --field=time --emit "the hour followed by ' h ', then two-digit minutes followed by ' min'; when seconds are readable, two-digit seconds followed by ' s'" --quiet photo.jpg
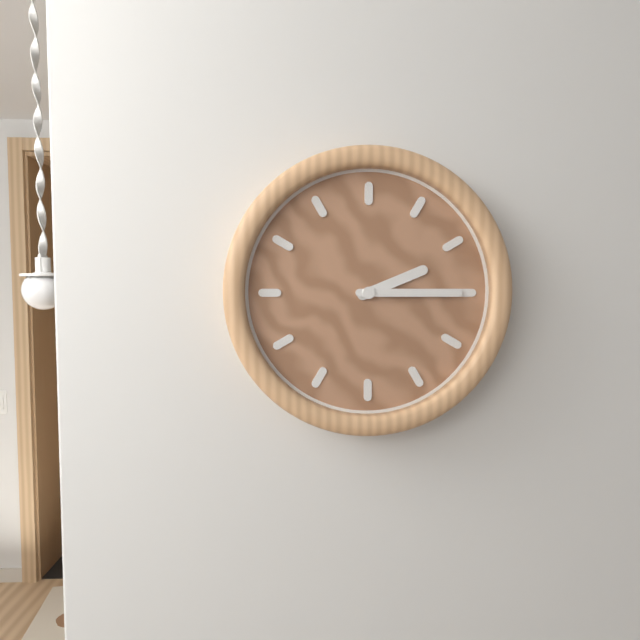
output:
2 h 15 min
